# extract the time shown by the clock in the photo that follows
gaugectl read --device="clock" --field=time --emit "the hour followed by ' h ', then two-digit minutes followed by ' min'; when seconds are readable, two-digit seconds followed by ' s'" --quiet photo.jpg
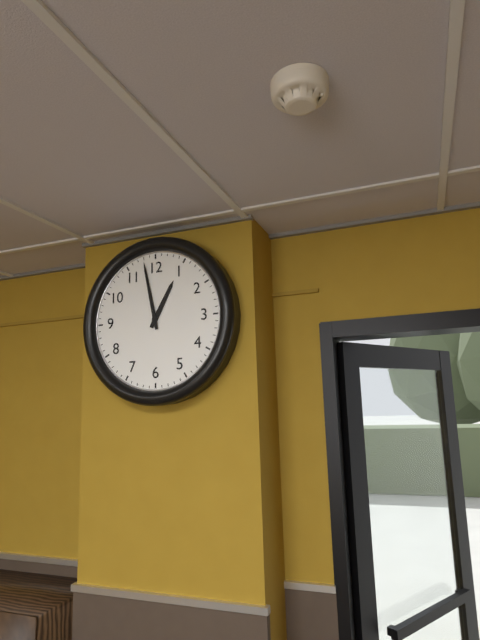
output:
12 h 58 min
